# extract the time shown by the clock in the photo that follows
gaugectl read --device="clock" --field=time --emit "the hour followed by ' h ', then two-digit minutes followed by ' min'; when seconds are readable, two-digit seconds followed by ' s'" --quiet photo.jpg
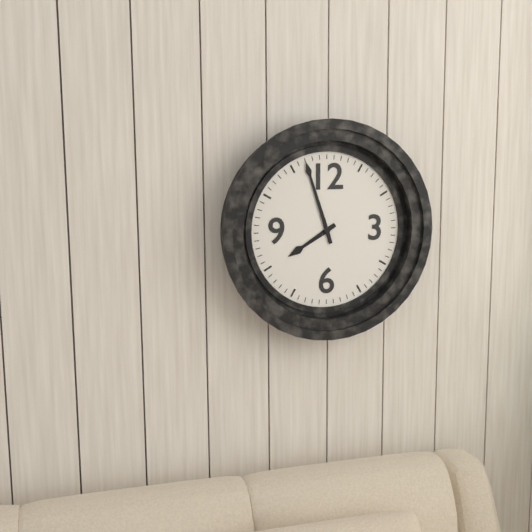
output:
7 h 57 min
